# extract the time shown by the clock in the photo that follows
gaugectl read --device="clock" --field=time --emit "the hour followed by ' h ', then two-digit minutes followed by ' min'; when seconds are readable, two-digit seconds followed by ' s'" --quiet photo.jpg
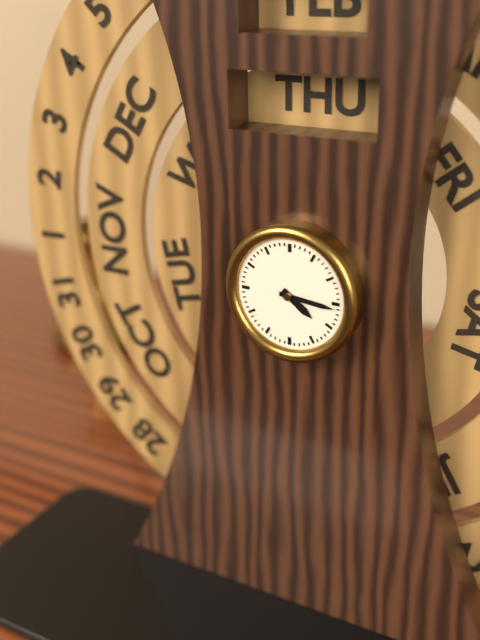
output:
4 h 16 min
